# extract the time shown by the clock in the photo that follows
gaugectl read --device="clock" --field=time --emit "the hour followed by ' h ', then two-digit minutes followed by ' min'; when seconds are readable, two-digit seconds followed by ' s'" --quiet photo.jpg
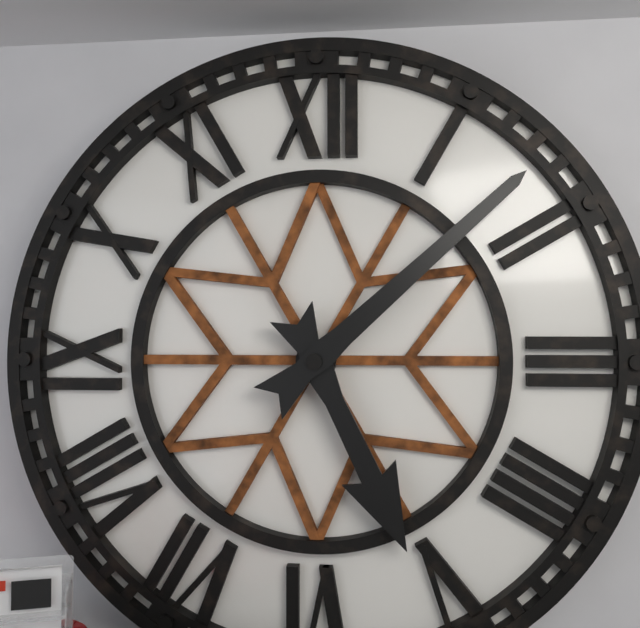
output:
5 h 08 min
